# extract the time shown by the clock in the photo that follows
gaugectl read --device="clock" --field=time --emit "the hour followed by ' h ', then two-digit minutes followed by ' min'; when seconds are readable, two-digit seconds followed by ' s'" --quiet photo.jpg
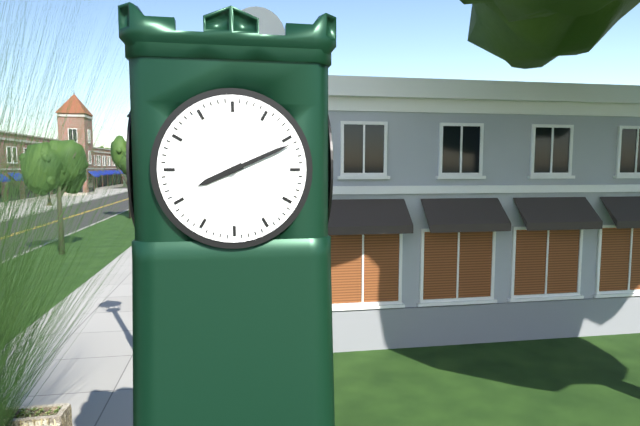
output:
8 h 11 min
